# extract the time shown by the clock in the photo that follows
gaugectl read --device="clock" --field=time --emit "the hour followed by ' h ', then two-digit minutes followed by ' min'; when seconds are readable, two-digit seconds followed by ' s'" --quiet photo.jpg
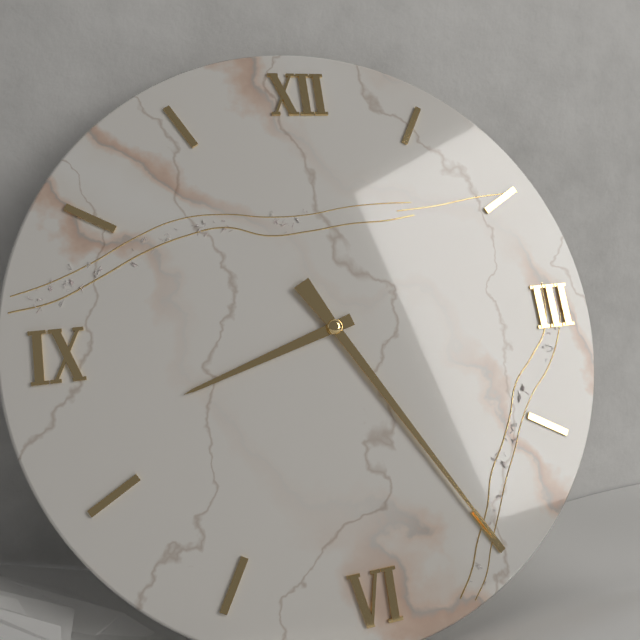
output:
8 h 25 min
